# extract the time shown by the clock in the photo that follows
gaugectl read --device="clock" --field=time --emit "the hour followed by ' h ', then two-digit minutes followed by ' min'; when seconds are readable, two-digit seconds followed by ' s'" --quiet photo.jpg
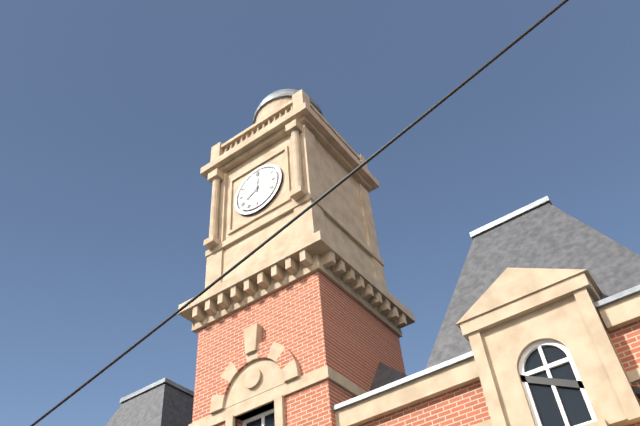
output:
8 h 01 min
